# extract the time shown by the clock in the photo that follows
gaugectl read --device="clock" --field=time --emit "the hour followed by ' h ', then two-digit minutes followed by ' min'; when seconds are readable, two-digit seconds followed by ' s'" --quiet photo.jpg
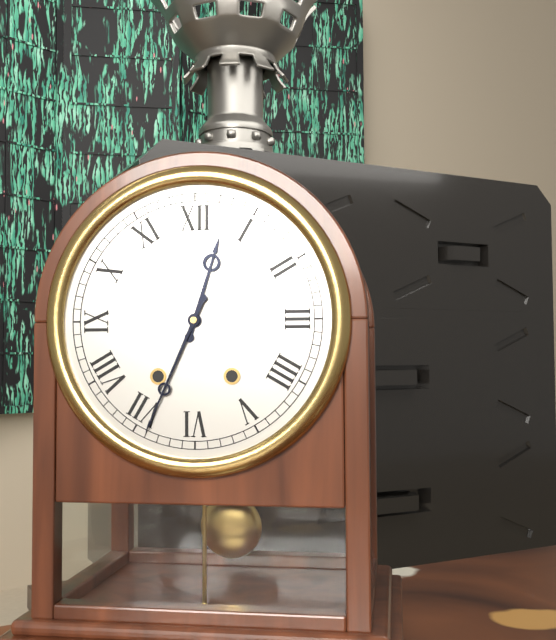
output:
12 h 34 min
